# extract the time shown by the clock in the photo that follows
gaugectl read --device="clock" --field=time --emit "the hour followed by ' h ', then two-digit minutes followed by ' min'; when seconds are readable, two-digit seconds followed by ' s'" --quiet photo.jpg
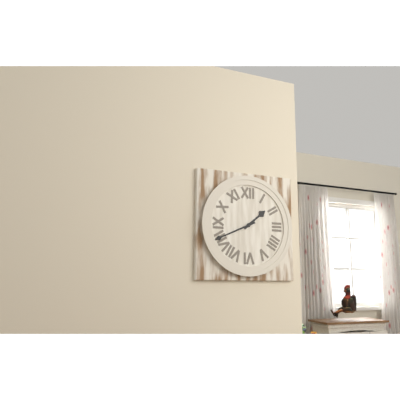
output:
1 h 41 min
